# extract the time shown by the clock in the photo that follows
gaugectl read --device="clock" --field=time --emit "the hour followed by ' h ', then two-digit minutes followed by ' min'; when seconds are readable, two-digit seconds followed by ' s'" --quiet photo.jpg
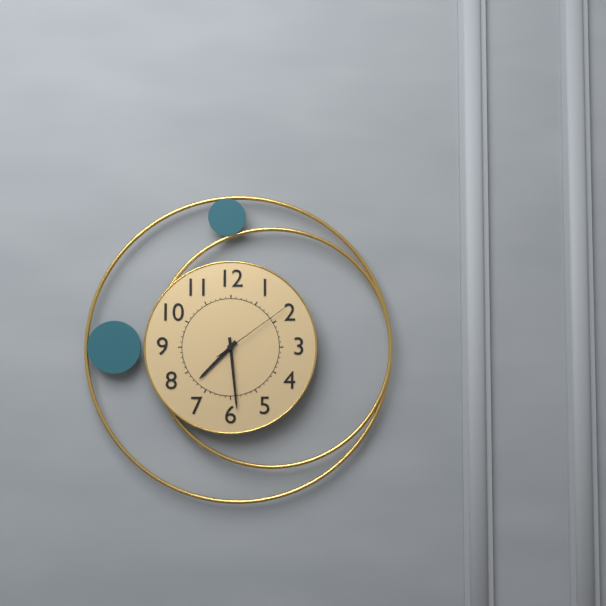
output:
7 h 29 min 09 s
